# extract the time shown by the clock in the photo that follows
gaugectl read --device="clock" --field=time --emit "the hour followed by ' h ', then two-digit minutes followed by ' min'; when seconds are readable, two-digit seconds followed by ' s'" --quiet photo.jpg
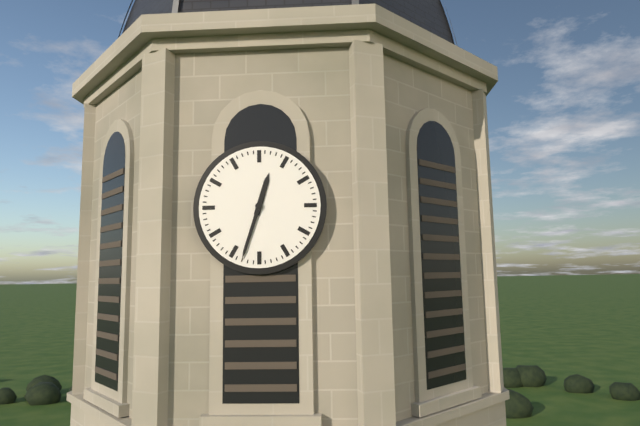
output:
12 h 33 min
